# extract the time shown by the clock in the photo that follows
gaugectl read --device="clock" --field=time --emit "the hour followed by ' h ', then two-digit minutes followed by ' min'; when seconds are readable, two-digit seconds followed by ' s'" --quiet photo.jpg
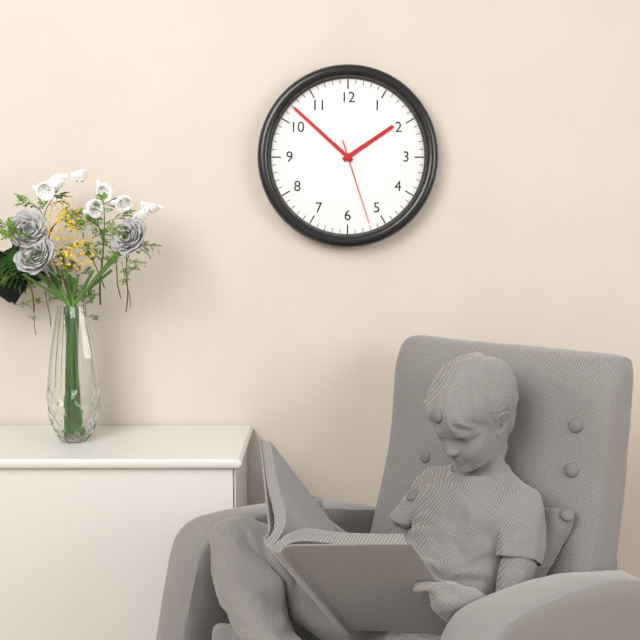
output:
1 h 52 min 27 s
